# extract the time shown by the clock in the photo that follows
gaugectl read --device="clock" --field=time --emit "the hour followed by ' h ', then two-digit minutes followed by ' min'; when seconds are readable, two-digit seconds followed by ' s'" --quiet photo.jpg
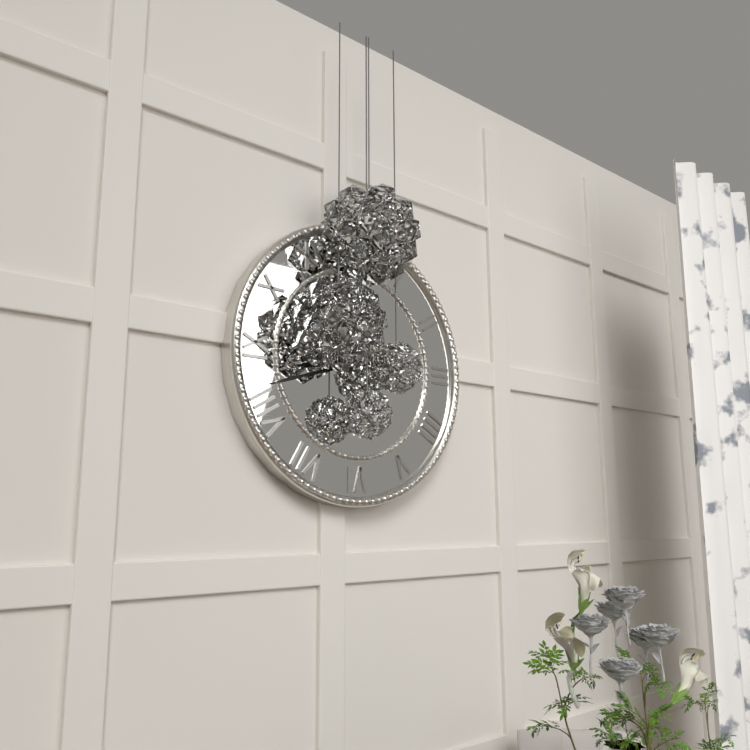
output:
8 h 42 min
